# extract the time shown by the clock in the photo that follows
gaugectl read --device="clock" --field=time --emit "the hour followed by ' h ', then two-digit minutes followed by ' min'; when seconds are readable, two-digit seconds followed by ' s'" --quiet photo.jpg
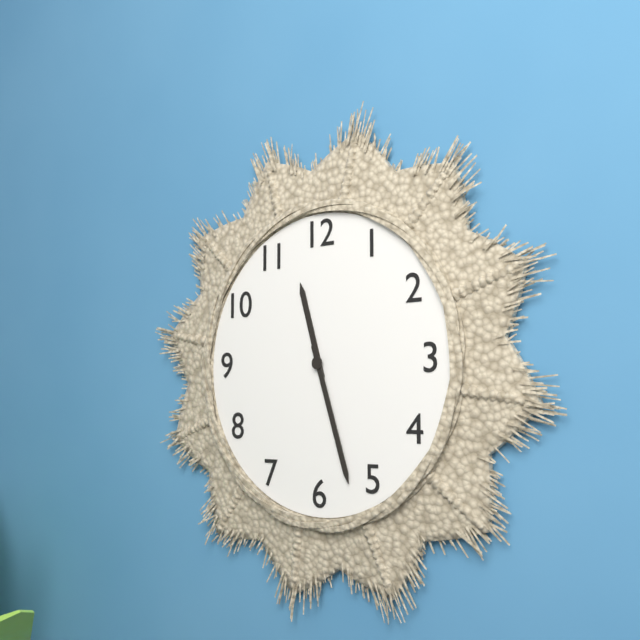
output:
11 h 27 min
